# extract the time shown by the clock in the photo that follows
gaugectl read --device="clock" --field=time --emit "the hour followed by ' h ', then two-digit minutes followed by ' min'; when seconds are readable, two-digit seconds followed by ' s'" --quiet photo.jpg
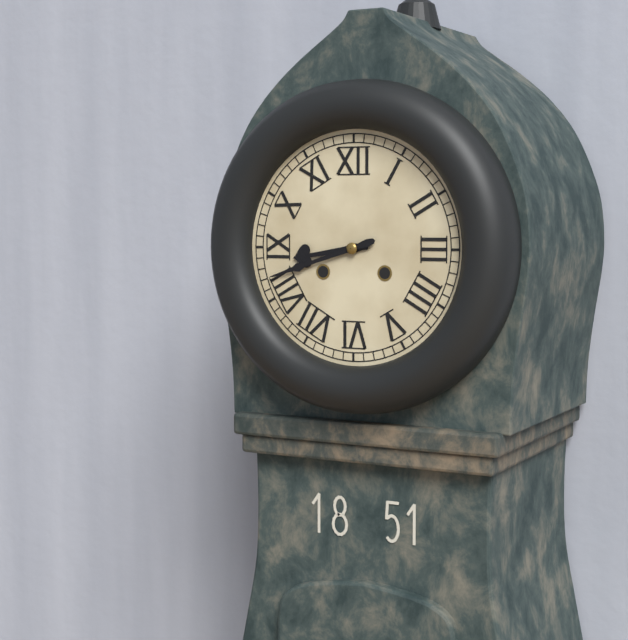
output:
8 h 42 min
